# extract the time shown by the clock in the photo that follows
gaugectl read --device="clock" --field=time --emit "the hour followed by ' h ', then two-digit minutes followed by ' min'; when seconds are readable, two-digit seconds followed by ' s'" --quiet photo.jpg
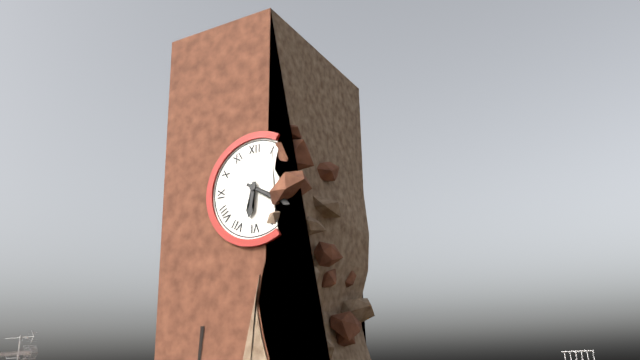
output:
6 h 20 min
